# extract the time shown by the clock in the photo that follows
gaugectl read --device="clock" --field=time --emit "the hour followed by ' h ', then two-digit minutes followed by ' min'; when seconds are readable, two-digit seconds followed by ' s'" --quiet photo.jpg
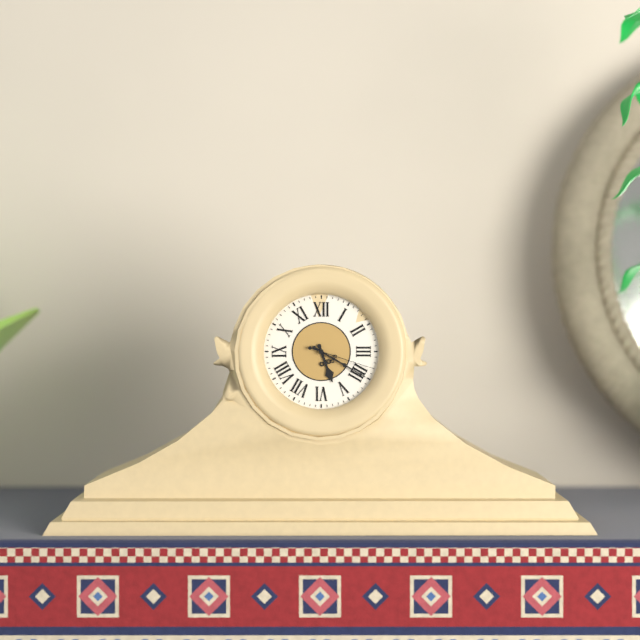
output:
5 h 20 min 18 s
